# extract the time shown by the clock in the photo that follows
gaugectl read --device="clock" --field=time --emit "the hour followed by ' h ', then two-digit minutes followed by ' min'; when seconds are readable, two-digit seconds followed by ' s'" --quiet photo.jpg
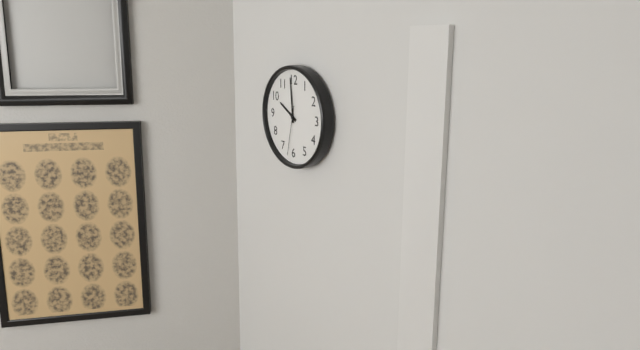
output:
9 h 59 min
